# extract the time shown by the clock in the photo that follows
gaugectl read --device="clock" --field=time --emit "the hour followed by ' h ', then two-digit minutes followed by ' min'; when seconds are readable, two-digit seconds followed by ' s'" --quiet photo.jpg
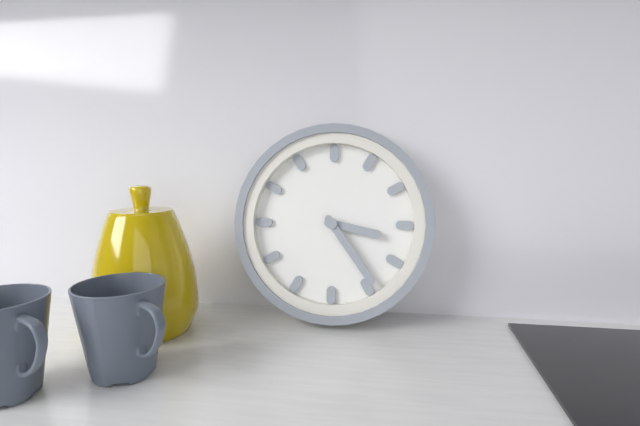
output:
3 h 24 min
